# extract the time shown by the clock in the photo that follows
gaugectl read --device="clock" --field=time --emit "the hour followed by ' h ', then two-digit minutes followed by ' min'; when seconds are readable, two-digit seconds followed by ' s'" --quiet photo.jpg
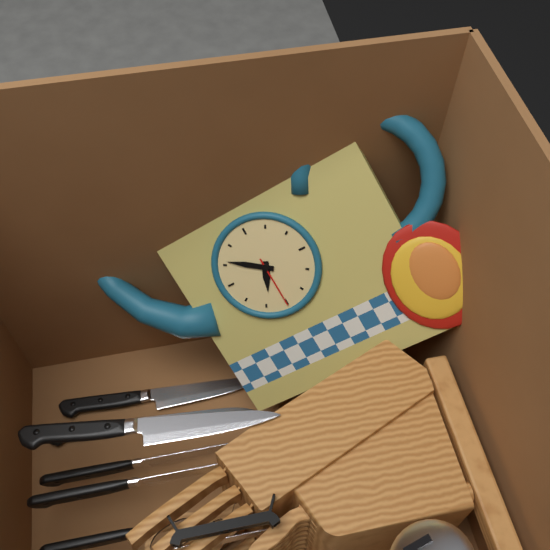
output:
6 h 51 min 30 s
